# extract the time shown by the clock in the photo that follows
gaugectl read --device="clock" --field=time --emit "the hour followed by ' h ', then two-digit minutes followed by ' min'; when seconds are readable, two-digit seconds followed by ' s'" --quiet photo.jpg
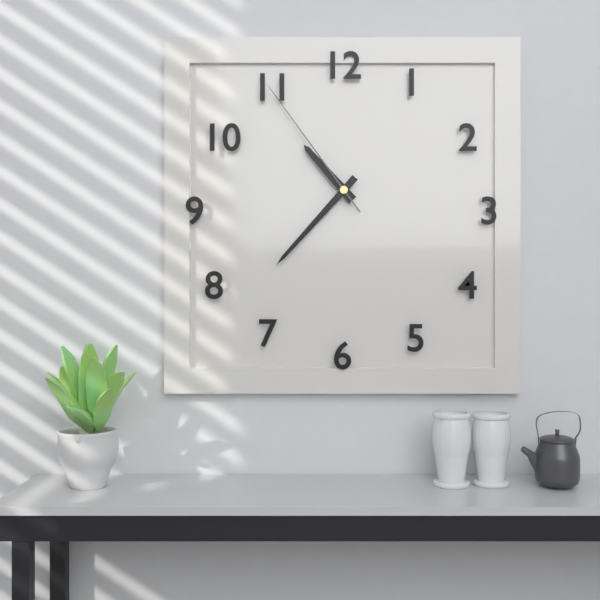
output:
10 h 37 min 54 s
